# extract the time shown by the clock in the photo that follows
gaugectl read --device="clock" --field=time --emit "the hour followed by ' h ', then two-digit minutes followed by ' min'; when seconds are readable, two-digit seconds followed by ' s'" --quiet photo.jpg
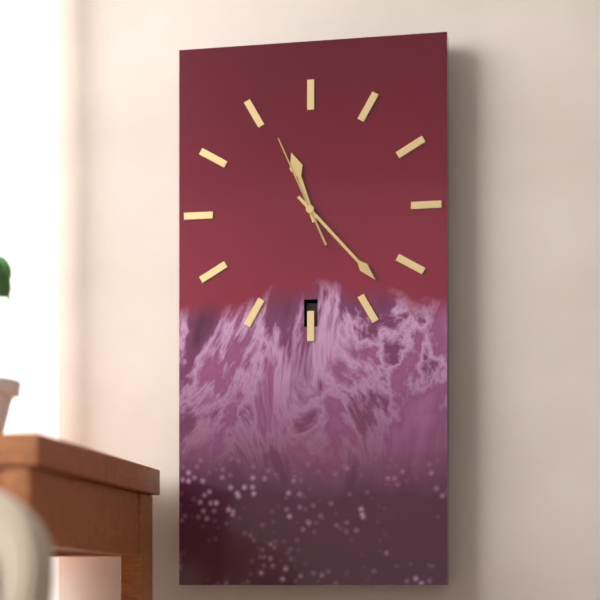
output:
11 h 23 min 56 s
